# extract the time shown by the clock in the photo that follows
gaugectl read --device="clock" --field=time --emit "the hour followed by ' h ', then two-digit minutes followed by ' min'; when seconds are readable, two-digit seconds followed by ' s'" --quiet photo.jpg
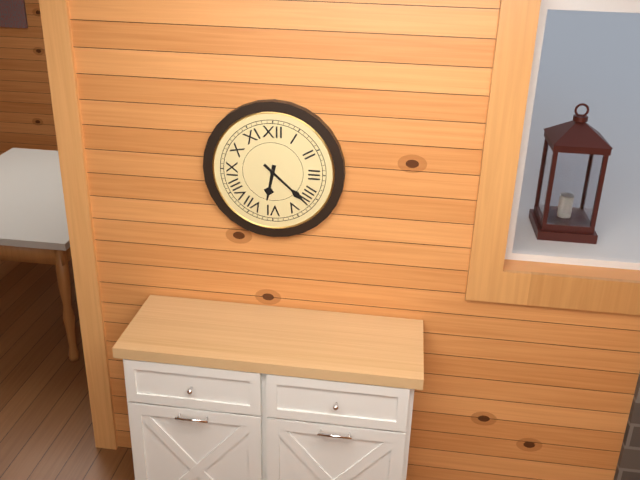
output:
6 h 22 min
